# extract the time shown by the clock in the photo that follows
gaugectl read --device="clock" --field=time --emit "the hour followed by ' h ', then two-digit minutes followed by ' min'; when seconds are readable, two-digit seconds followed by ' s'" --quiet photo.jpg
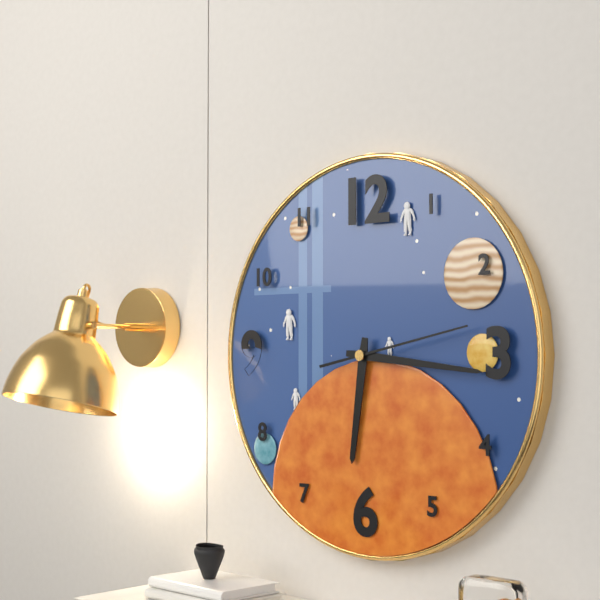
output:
6 h 16 min 13 s
